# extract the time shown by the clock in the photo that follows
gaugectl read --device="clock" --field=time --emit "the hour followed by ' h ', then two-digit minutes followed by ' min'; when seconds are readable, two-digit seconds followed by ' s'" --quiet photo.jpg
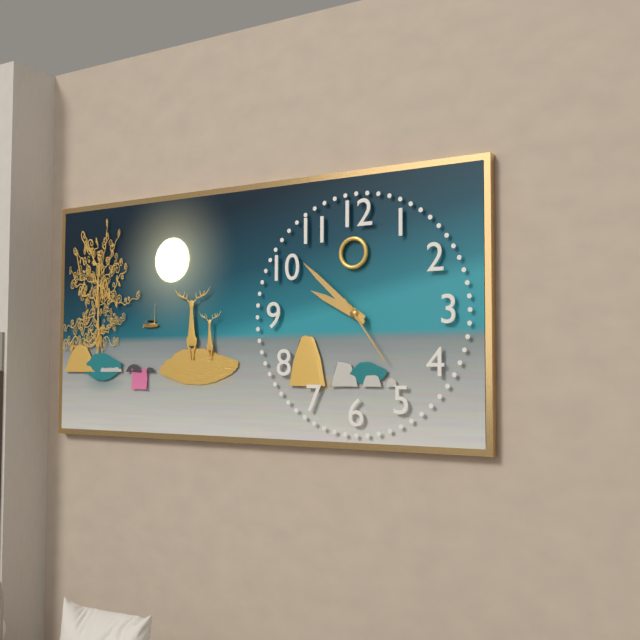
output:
9 h 52 min 24 s
